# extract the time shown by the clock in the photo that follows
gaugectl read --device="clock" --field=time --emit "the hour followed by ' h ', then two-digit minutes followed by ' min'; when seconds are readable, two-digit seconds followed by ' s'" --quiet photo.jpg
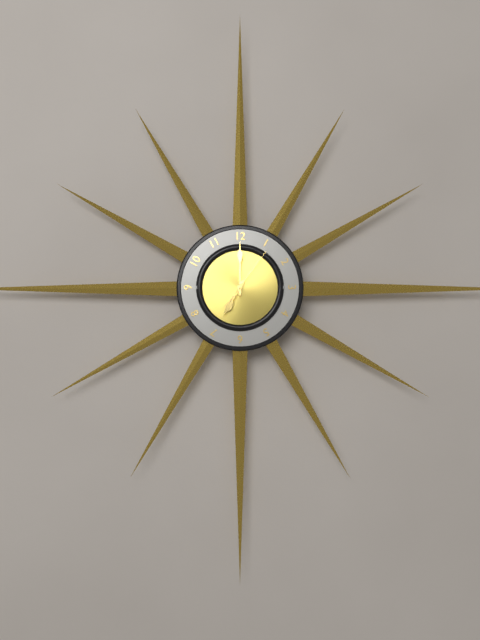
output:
7 h 00 min 06 s
